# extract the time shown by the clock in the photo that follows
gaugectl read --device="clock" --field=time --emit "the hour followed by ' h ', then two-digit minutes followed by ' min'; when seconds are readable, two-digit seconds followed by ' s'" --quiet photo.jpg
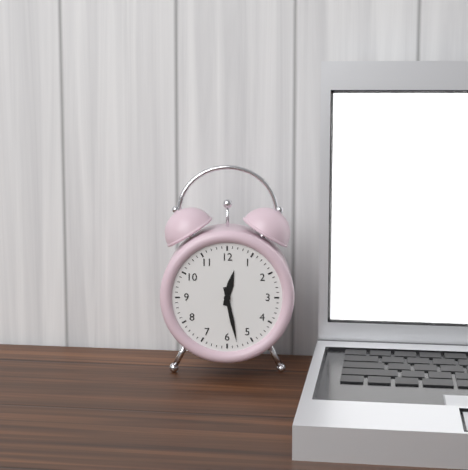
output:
12 h 28 min
